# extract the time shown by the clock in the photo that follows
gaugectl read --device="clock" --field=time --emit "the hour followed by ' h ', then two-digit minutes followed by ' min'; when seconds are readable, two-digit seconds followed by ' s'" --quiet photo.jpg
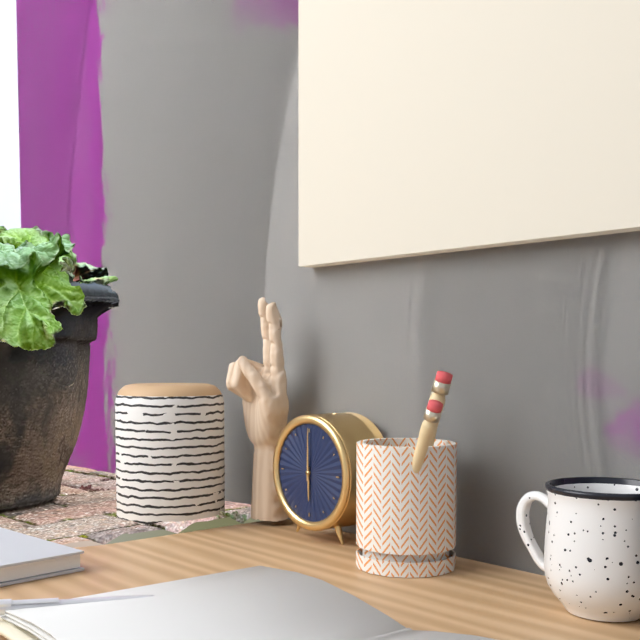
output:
6 h 00 min
